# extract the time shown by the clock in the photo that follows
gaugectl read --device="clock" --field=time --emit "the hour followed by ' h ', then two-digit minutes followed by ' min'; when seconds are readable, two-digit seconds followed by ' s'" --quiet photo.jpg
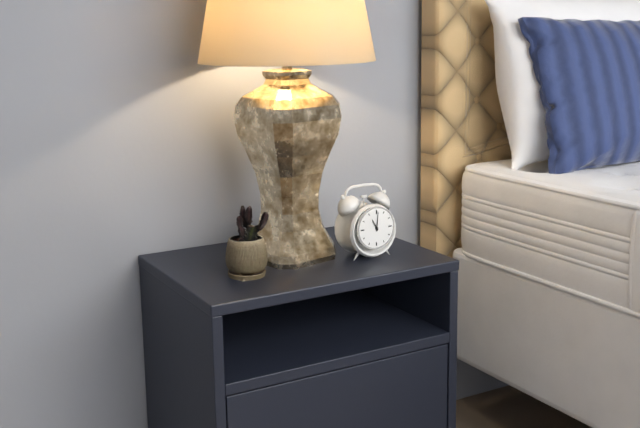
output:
11 h 01 min
